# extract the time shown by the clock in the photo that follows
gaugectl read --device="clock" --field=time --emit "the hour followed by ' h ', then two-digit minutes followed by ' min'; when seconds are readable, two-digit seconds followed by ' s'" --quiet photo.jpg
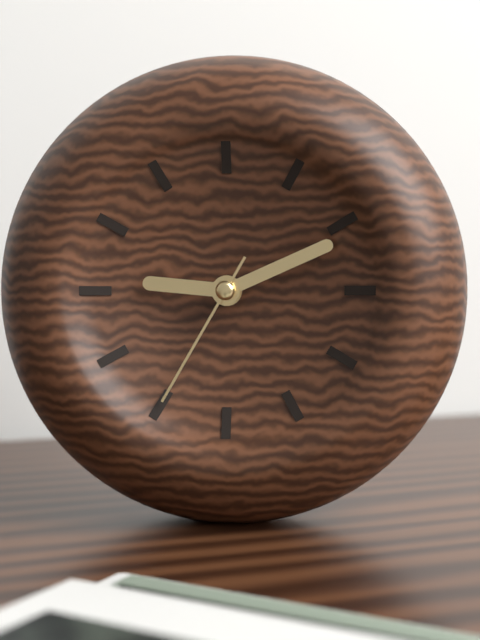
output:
9 h 11 min 35 s
